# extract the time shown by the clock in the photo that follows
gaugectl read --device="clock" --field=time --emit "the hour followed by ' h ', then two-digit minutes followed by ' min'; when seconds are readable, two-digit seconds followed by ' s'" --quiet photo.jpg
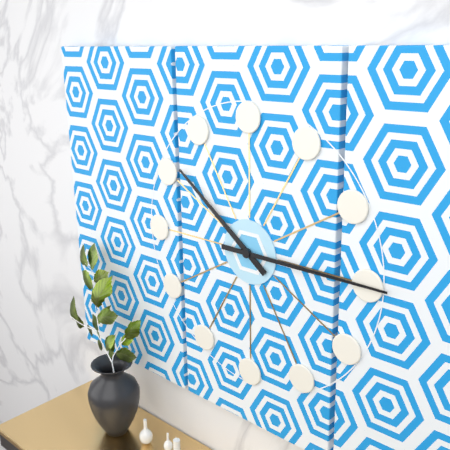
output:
10 h 15 min
